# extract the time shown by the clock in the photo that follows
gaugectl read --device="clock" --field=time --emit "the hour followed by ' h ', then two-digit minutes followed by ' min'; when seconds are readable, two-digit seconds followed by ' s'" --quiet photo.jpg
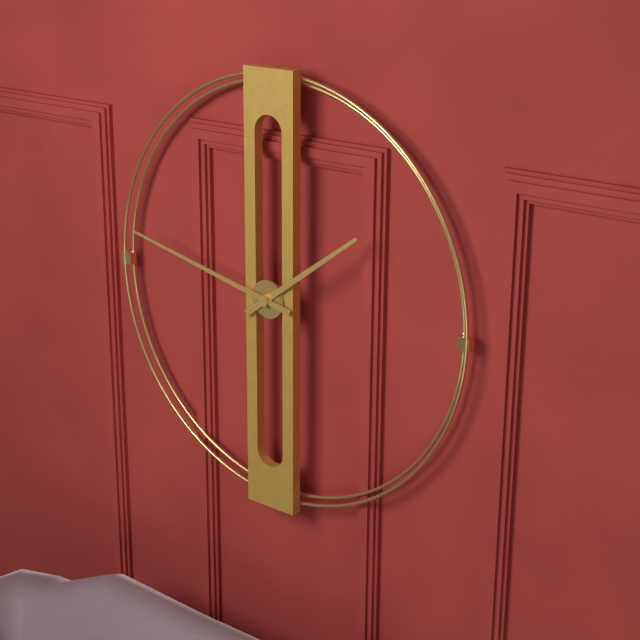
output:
1 h 47 min
